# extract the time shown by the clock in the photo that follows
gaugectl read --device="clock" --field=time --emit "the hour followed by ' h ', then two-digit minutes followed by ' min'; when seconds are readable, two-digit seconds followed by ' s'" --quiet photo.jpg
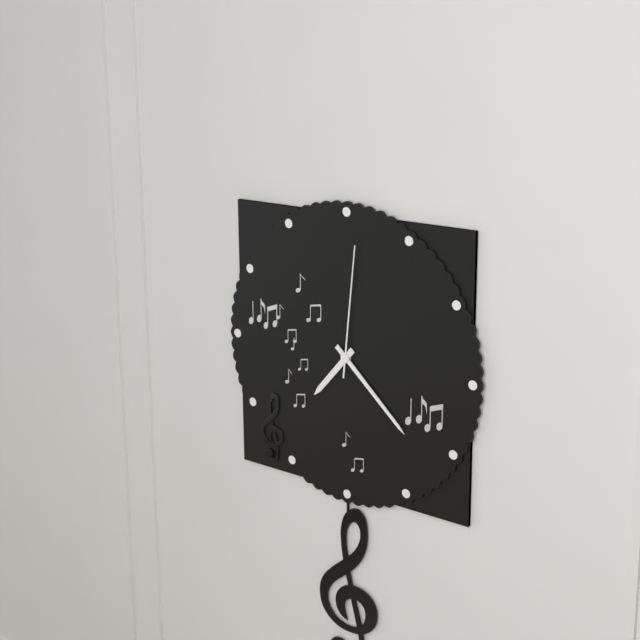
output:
7 h 22 min 01 s
